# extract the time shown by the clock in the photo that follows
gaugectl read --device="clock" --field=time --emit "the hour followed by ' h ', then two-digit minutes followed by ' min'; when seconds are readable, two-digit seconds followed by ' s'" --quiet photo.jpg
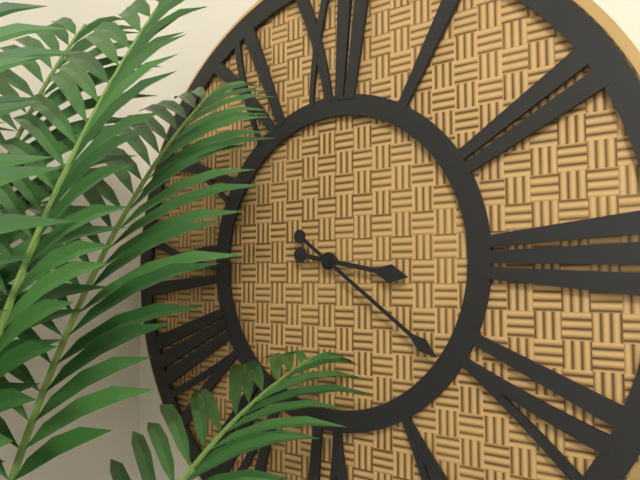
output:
3 h 21 min
